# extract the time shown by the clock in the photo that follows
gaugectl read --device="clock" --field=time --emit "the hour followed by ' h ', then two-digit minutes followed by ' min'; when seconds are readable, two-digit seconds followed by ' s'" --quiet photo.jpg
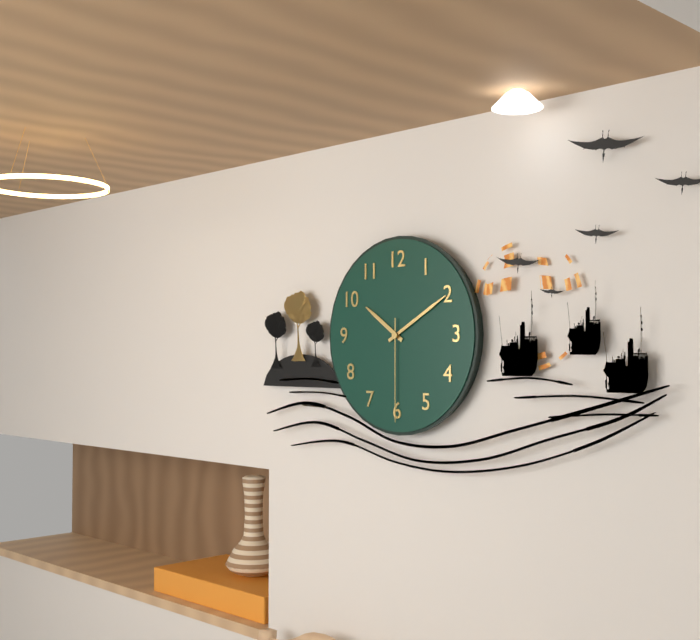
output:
10 h 10 min 30 s
